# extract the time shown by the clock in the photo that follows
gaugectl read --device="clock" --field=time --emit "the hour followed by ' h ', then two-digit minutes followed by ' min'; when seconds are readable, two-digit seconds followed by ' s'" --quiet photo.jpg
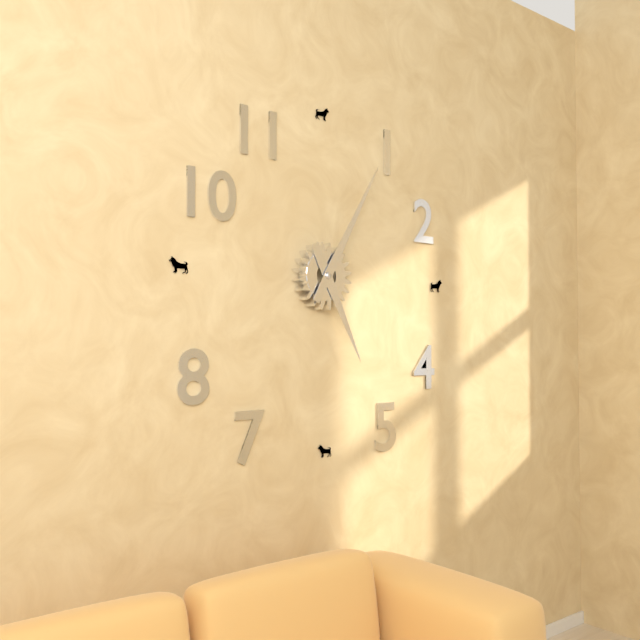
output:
5 h 05 min
